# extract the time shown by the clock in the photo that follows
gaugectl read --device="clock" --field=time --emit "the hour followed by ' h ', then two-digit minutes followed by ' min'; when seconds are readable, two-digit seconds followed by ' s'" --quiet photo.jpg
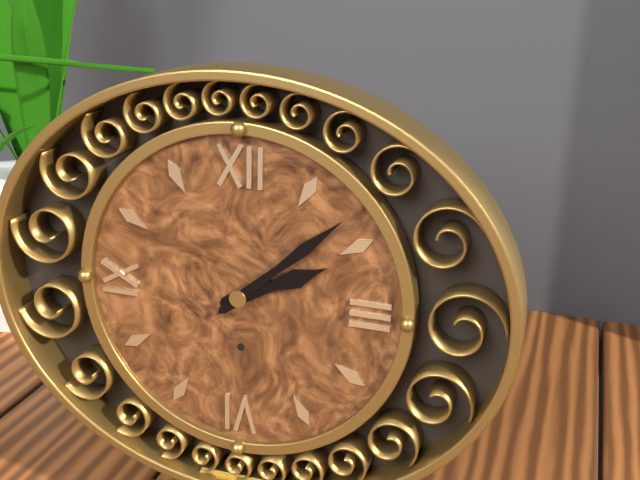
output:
2 h 08 min
